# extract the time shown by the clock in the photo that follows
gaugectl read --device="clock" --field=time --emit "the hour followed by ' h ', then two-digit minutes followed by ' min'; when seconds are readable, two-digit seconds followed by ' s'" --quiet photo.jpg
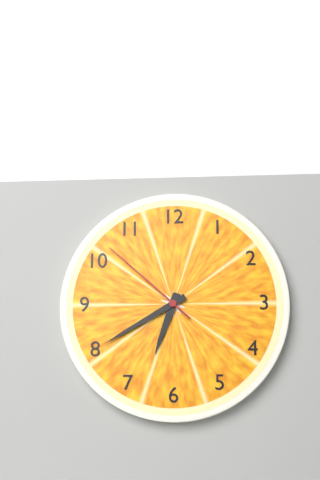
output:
6 h 40 min 52 s
